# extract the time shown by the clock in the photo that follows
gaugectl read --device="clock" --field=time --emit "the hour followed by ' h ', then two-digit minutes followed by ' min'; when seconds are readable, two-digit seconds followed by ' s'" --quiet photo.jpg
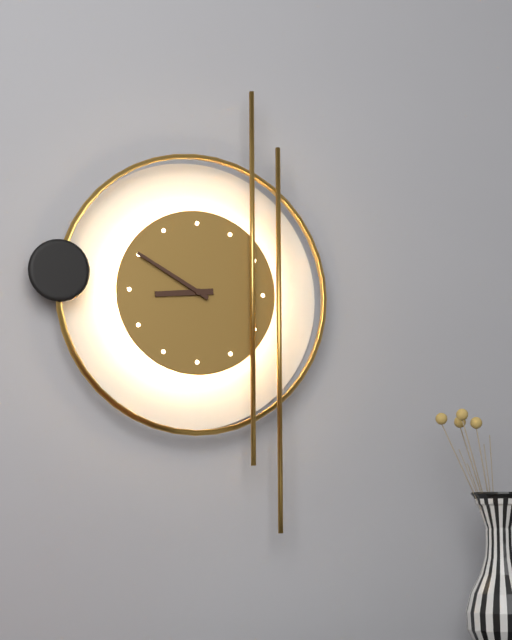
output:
8 h 50 min
